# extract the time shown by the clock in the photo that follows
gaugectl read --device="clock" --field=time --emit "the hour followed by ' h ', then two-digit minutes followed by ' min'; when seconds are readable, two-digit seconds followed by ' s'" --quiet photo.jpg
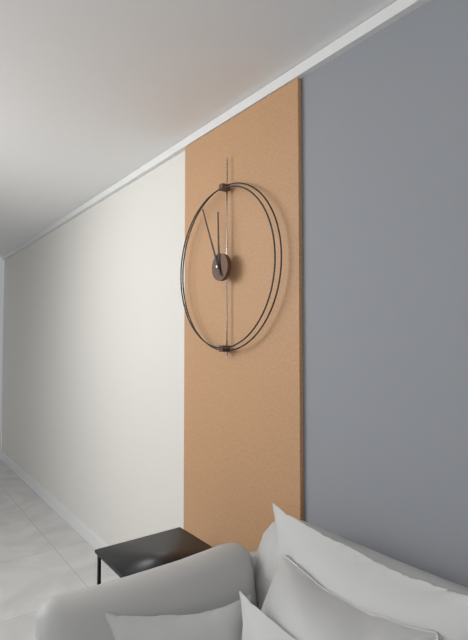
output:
11 h 56 min
